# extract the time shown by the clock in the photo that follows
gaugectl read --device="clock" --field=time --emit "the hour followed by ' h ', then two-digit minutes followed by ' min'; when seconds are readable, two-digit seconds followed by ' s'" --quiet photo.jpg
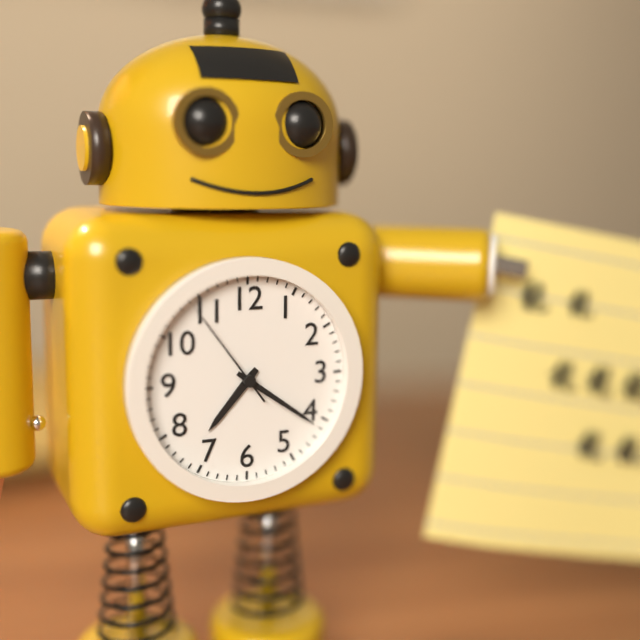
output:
7 h 21 min 54 s
